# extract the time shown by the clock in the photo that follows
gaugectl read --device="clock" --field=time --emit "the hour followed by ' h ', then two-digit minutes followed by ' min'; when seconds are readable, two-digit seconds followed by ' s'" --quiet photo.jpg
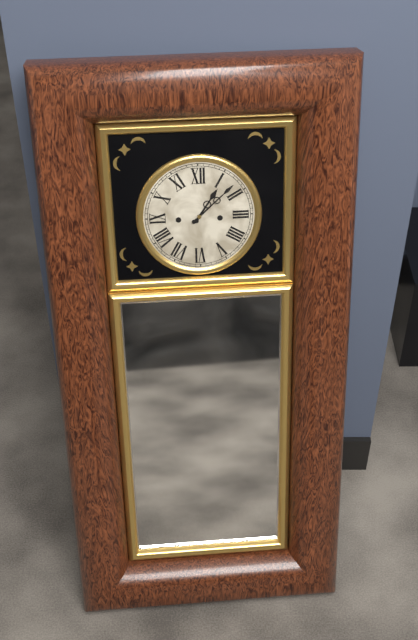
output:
1 h 08 min
